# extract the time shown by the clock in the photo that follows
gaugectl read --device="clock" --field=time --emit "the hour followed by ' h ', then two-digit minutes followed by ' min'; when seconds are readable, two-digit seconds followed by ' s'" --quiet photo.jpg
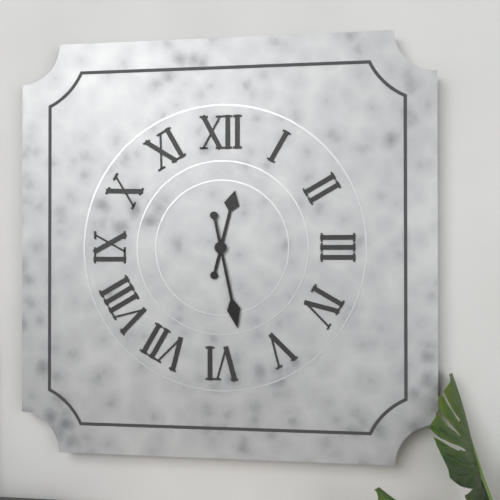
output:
12 h 28 min
